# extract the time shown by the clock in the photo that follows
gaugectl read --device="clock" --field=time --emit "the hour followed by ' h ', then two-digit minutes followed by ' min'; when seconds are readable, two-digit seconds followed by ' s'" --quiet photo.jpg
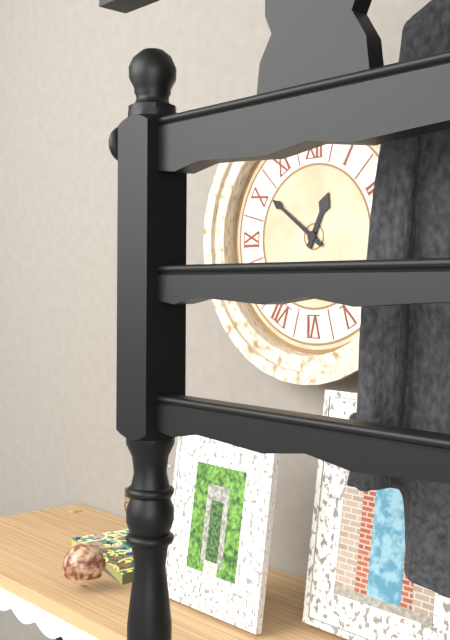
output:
12 h 51 min
